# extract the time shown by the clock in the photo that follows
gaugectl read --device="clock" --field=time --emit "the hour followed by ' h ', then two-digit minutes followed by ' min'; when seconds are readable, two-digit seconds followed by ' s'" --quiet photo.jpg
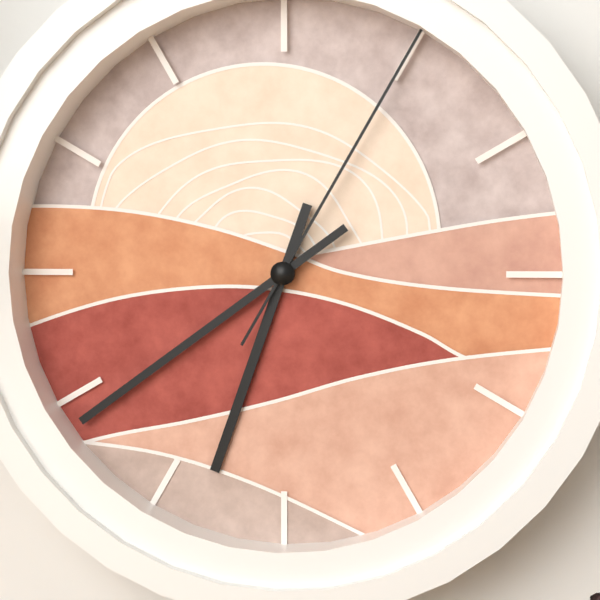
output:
6 h 39 min 05 s
